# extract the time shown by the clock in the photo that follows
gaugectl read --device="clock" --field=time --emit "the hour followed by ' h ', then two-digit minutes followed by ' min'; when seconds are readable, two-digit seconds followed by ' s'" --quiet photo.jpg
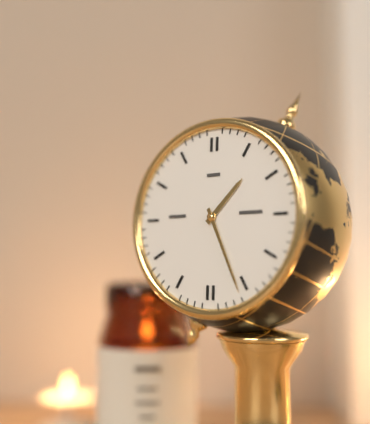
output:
1 h 26 min
